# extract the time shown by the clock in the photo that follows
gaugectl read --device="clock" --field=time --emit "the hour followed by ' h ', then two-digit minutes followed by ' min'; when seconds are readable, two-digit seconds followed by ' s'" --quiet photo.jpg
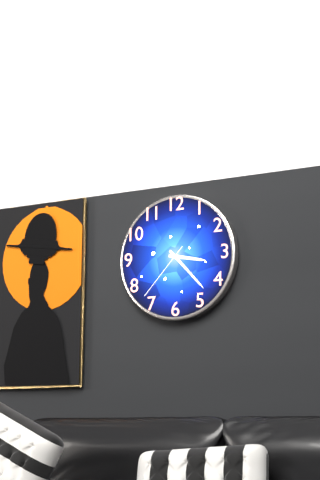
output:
3 h 23 min 37 s
